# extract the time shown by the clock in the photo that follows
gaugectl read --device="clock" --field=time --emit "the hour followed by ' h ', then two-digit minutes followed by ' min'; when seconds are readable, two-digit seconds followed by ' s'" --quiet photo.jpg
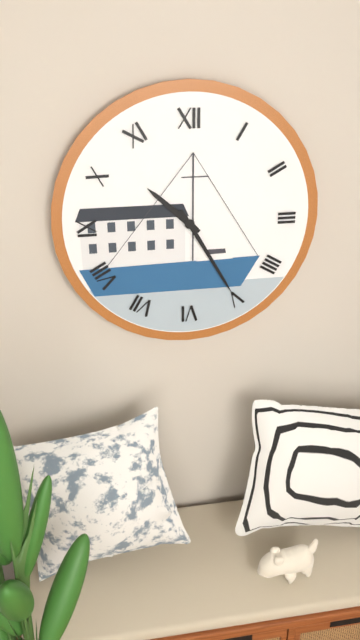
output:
10 h 25 min
